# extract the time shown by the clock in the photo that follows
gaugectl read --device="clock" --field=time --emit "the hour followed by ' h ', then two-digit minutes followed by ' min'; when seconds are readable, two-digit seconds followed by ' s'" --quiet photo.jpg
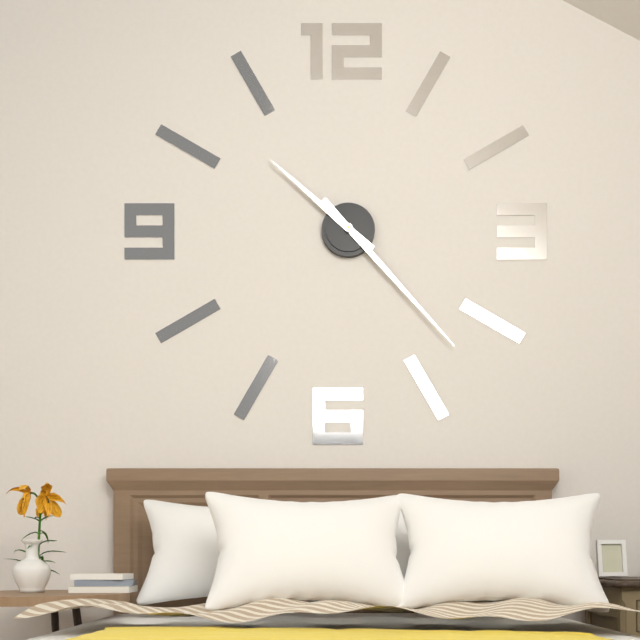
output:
10 h 23 min
